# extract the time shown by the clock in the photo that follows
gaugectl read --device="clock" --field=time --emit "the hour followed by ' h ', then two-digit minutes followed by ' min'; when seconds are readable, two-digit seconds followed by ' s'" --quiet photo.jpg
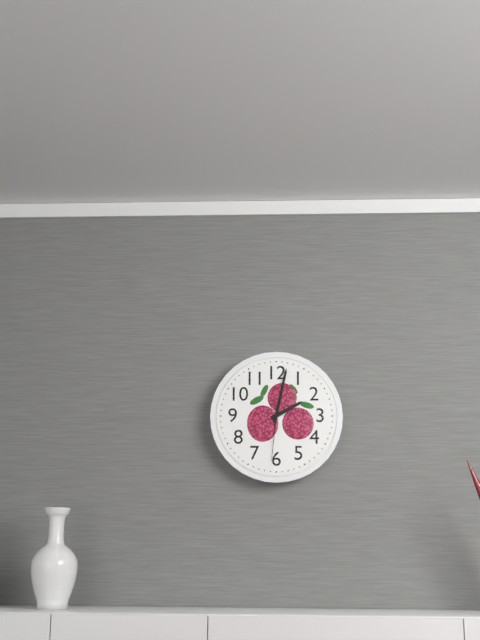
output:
2 h 02 min 31 s
